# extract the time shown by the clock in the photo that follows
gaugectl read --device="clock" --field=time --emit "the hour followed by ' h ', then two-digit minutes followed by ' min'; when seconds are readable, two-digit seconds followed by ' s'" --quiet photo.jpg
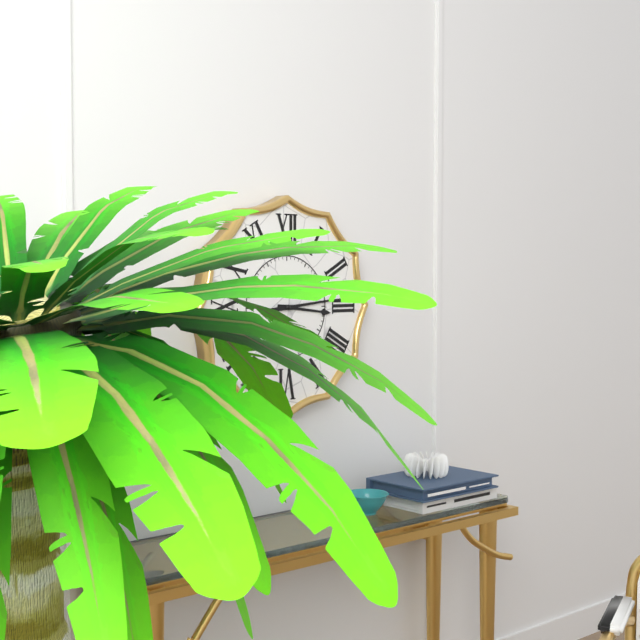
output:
3 h 14 min
